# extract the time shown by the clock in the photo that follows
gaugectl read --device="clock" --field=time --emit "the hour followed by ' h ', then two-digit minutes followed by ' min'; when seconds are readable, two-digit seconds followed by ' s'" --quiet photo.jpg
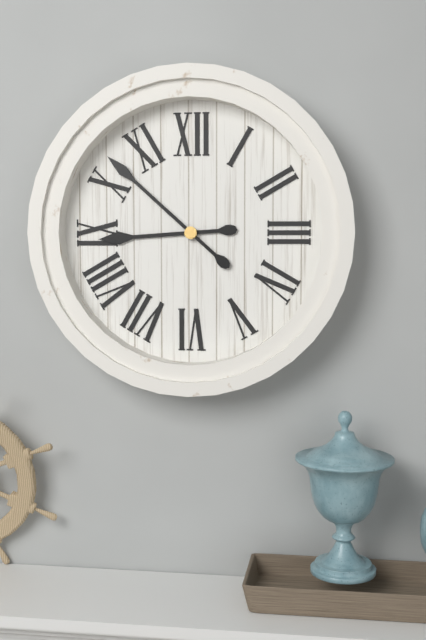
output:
8 h 52 min
